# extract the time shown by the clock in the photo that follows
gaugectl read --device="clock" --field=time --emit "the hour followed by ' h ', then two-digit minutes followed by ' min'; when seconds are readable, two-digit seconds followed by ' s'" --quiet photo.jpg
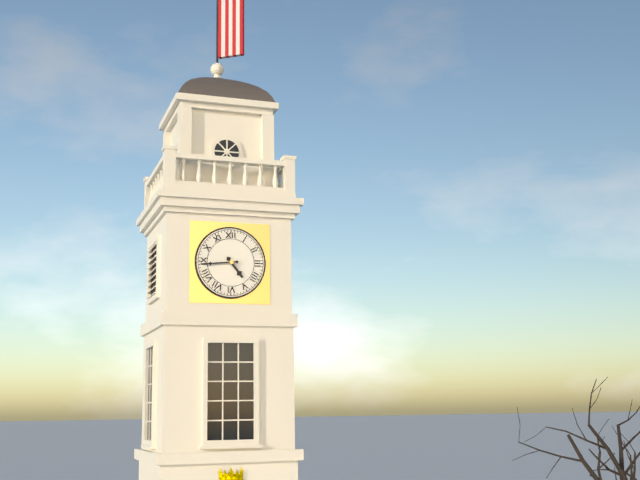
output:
4 h 44 min
